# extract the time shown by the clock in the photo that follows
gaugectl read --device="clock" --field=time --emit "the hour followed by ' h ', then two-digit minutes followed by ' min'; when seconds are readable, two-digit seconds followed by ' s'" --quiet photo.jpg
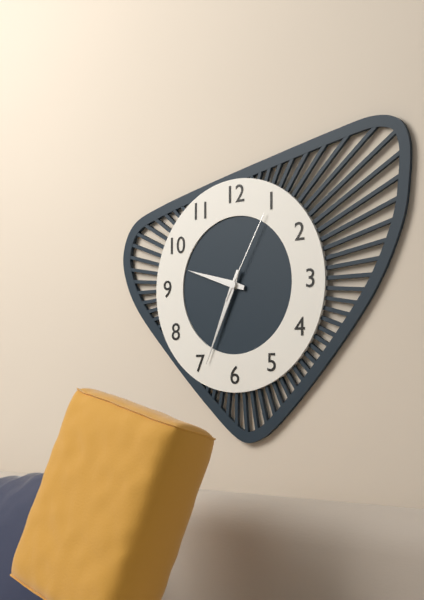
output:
9 h 34 min 05 s
